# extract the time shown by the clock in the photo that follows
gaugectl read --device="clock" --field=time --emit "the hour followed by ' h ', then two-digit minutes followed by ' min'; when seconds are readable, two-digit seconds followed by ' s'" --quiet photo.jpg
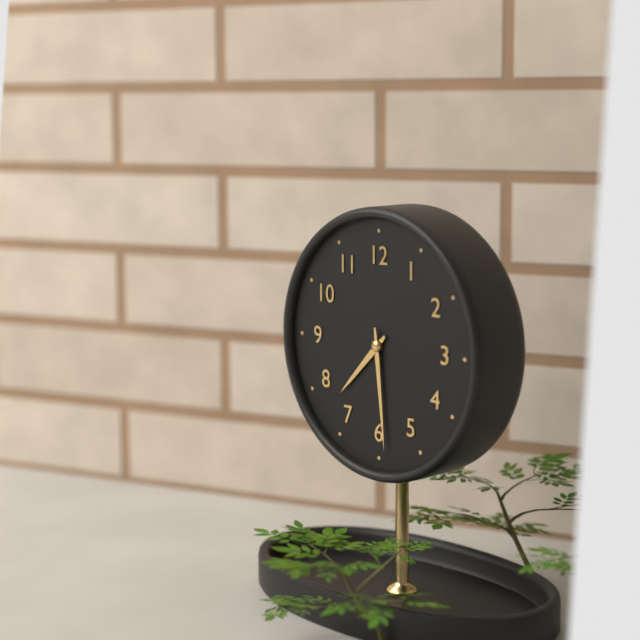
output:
7 h 29 min
